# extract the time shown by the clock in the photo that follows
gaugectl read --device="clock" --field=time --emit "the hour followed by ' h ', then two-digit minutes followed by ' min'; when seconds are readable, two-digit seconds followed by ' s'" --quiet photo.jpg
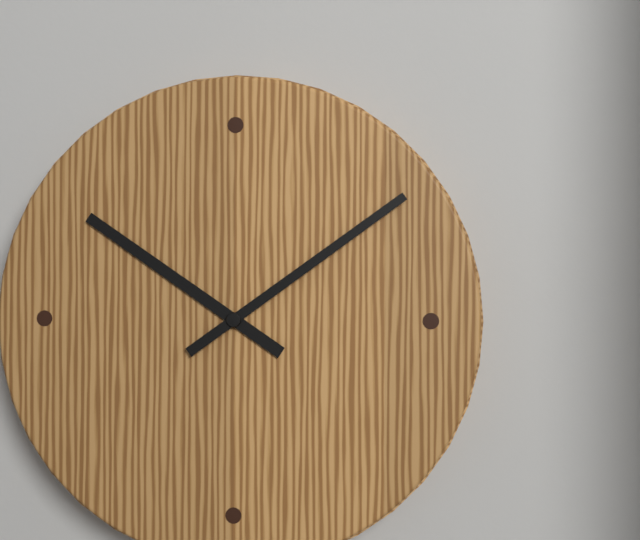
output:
10 h 09 min
